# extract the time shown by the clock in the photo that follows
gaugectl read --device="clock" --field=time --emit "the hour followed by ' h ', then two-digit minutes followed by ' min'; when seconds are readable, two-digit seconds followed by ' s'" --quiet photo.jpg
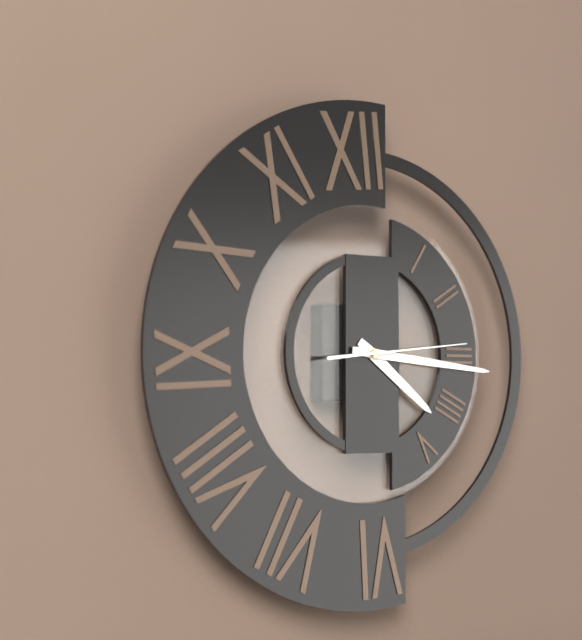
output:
4 h 16 min 14 s
